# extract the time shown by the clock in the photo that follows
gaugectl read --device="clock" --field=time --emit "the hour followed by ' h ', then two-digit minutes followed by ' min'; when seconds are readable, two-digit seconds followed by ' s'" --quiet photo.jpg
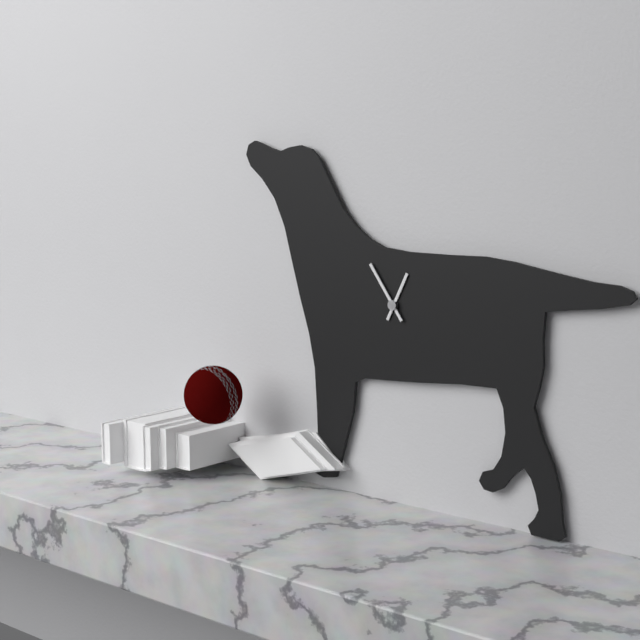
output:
12 h 54 min
